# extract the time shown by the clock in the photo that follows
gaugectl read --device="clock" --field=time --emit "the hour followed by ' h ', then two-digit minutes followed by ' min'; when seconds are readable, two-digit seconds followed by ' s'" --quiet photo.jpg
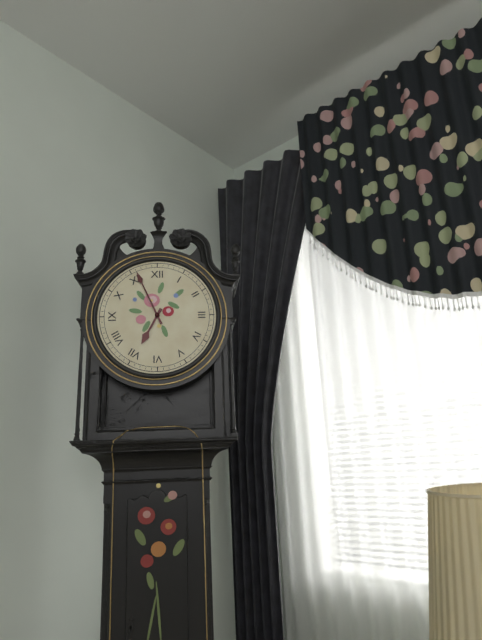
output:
6 h 56 min
